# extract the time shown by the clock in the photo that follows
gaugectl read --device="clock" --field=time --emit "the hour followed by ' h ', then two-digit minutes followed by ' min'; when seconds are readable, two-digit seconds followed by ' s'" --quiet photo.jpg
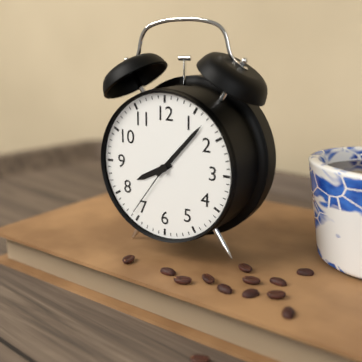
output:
8 h 07 min 36 s
